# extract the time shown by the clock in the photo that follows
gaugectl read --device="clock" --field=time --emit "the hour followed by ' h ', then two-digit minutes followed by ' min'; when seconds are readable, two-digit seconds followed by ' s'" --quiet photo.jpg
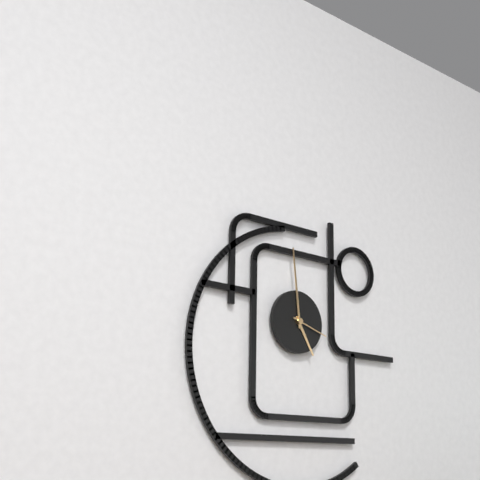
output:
4 h 59 min
